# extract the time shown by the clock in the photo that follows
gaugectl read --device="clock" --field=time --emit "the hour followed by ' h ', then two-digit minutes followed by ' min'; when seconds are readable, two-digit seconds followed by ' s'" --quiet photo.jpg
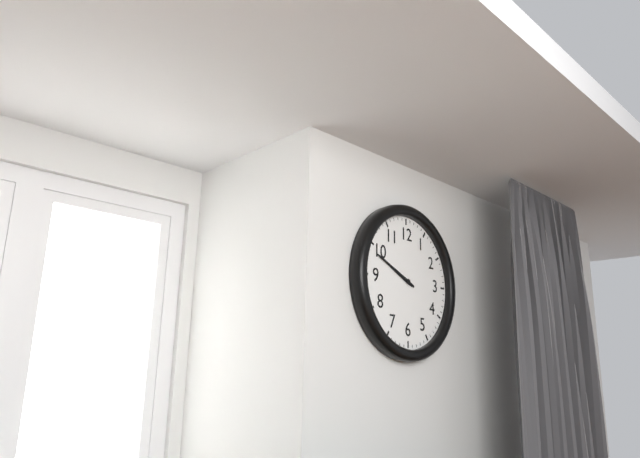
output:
9 h 49 min
